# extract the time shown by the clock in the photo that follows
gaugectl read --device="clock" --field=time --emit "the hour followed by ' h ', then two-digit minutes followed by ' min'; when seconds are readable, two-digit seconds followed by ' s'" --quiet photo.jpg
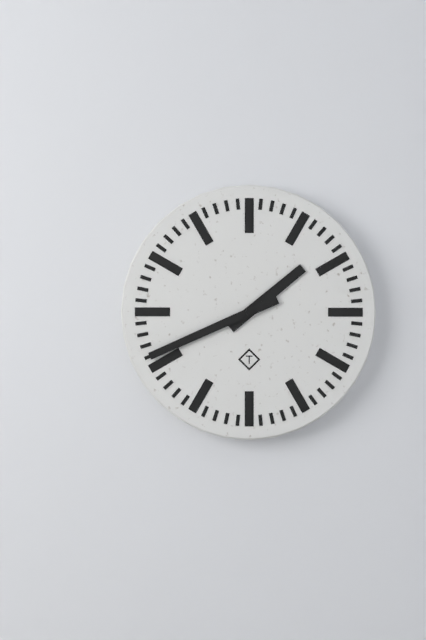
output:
1 h 41 min
